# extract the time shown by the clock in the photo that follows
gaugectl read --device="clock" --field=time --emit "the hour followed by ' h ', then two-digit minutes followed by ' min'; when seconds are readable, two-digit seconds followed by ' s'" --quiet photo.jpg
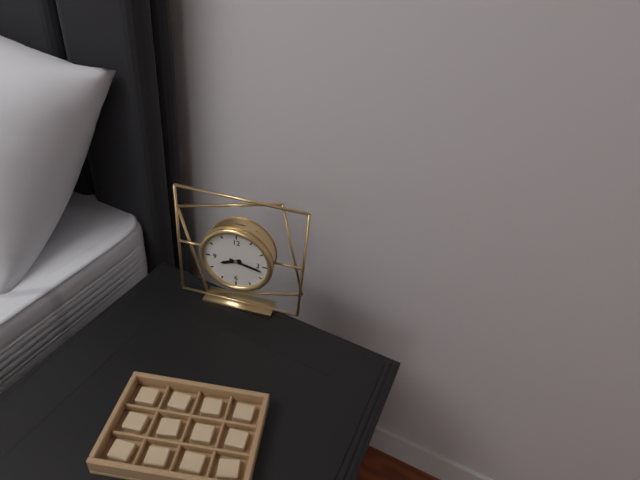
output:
8 h 17 min
